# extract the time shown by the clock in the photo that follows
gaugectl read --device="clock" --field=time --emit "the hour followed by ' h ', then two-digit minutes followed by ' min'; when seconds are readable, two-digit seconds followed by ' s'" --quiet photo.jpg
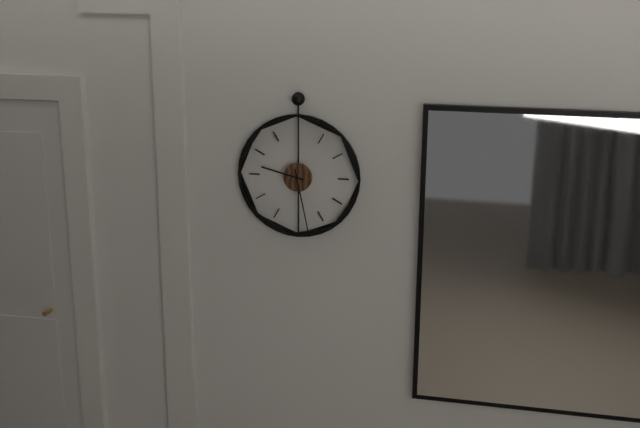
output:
9 h 28 min
